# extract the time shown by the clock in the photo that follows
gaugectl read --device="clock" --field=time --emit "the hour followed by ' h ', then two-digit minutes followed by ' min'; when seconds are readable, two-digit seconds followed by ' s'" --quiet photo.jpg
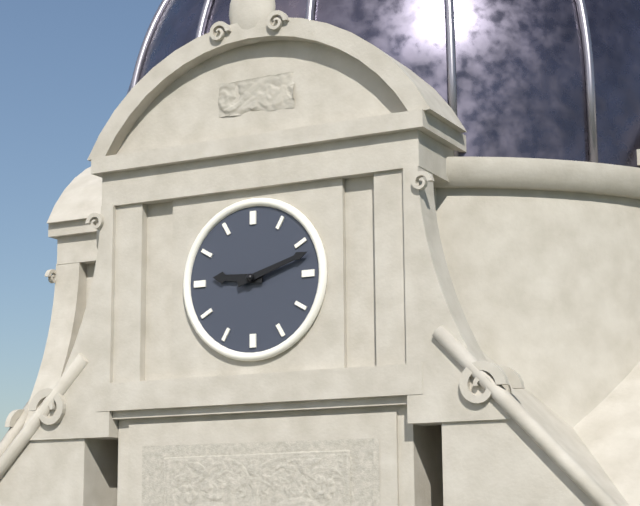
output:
9 h 12 min
